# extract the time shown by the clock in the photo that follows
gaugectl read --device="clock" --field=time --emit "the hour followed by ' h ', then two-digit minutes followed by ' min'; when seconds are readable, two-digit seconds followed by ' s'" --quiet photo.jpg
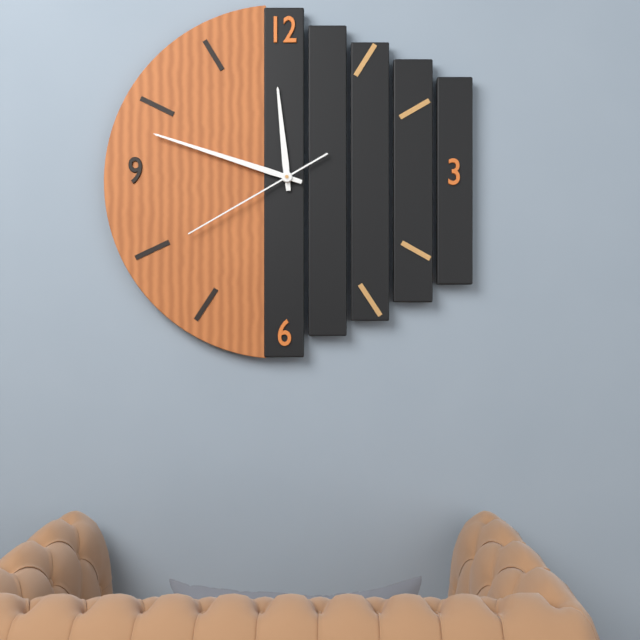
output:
11 h 48 min 40 s
